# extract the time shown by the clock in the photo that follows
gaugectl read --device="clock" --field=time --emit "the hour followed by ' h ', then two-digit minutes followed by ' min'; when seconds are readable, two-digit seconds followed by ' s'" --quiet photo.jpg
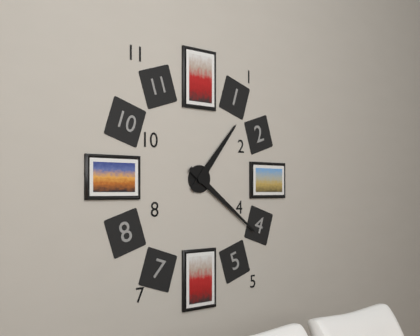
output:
1 h 21 min
